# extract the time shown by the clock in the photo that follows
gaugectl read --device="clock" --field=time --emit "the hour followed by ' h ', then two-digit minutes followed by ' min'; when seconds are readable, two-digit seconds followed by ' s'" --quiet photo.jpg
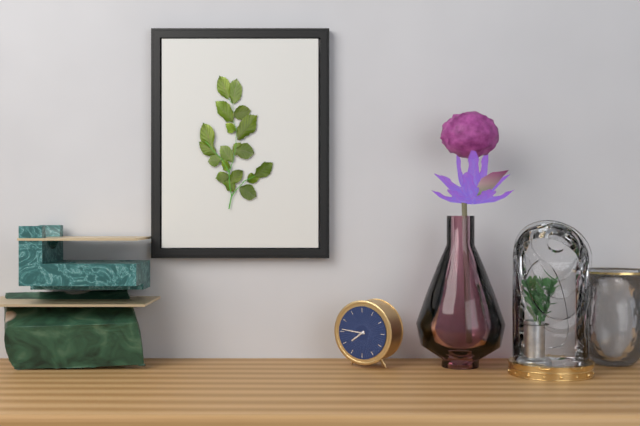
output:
7 h 46 min
